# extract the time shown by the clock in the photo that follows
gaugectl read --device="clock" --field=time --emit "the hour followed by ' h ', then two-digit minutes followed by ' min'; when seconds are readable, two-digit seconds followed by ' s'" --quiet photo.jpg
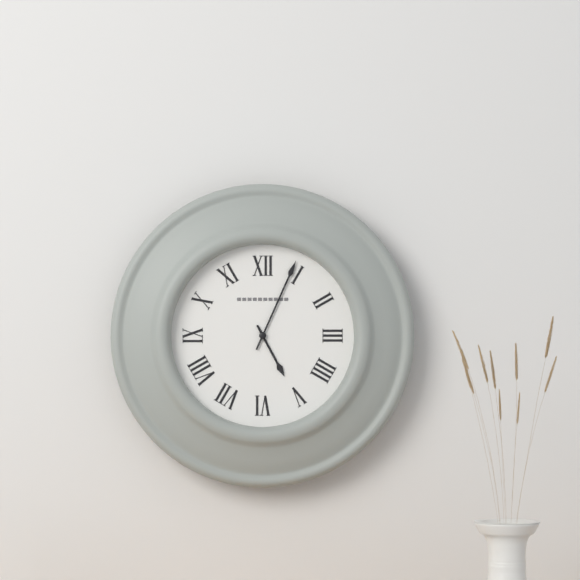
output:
5 h 04 min
